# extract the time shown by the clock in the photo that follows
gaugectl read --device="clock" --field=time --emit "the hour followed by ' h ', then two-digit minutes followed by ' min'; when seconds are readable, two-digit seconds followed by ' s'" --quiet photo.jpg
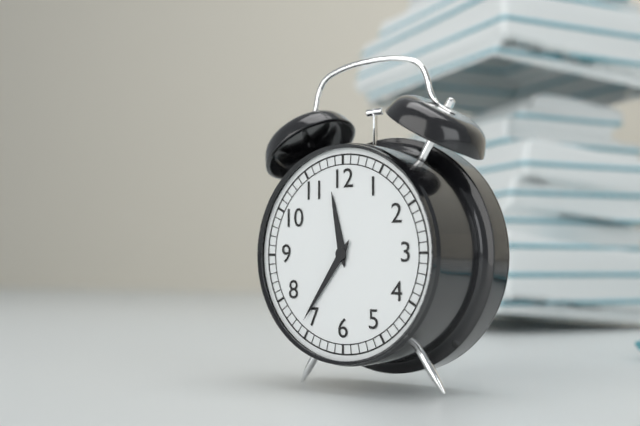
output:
11 h 36 min
